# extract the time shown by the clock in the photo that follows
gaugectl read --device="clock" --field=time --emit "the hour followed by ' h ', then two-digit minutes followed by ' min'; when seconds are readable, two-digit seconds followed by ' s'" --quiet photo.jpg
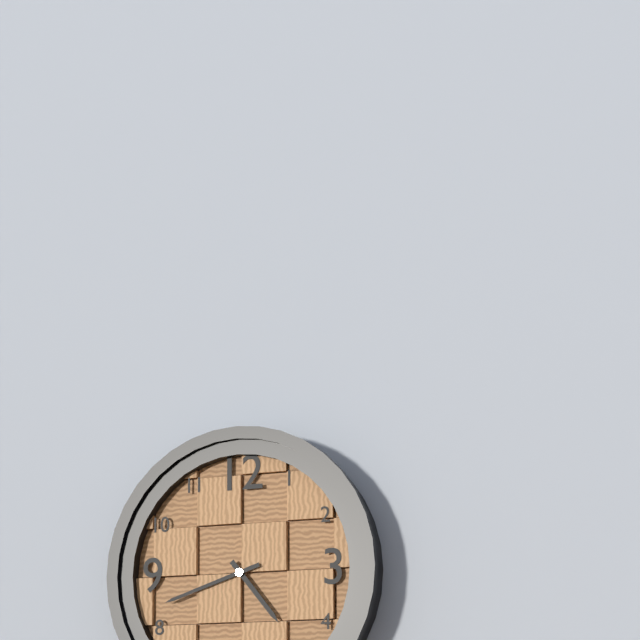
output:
4 h 42 min
